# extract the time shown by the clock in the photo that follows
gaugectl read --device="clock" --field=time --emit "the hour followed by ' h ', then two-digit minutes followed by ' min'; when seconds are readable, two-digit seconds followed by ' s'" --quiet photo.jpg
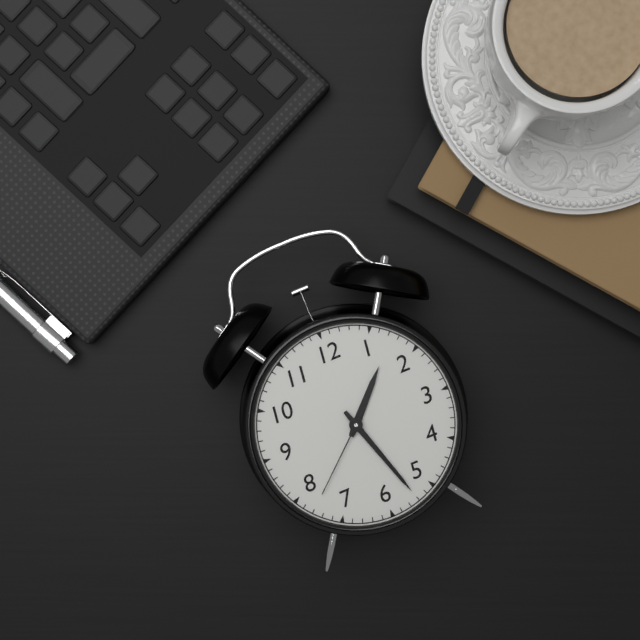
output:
1 h 27 min 38 s
